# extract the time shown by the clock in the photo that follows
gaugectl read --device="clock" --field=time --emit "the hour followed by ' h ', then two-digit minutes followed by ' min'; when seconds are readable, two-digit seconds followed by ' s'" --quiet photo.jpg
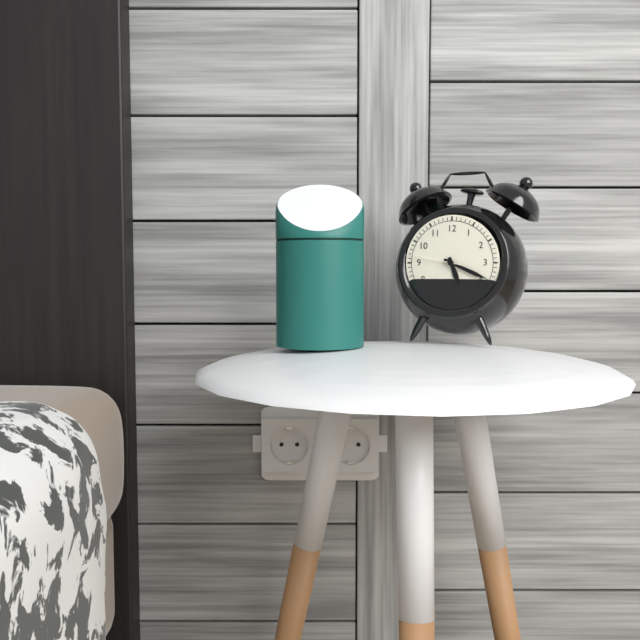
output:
5 h 19 min 47 s
